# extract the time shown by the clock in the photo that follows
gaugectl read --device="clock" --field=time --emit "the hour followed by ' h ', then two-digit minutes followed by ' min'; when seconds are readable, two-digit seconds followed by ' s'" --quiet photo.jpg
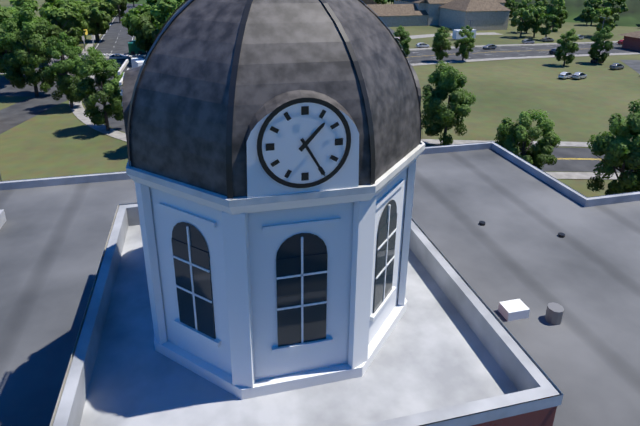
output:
1 h 25 min
